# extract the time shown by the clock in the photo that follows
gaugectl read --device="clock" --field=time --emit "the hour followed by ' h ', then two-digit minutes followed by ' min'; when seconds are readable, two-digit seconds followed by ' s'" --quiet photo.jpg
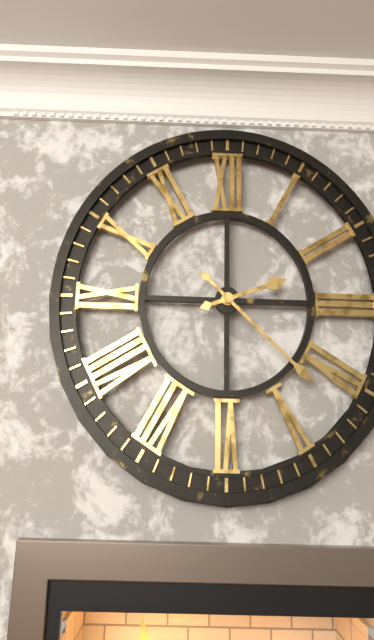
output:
2 h 22 min
